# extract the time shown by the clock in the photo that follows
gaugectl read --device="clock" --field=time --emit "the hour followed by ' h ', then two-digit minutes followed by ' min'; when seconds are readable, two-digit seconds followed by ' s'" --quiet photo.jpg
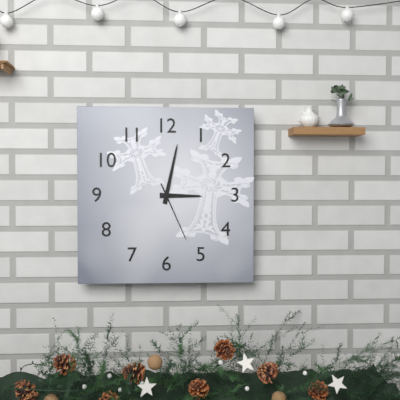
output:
3 h 02 min 26 s
